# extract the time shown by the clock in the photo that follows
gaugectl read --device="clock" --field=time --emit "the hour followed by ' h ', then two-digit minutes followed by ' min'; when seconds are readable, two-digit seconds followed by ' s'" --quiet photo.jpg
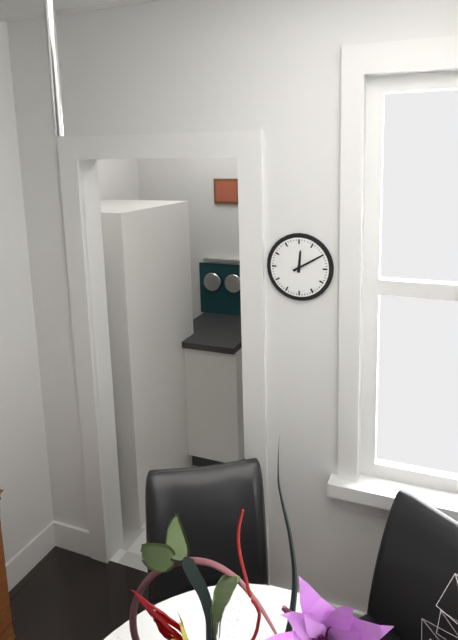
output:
12 h 10 min
